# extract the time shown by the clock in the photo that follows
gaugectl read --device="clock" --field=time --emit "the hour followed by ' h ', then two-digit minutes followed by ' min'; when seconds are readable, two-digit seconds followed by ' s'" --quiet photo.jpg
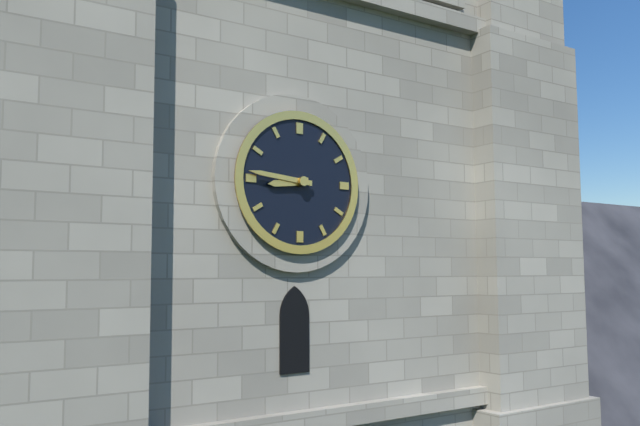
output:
8 h 46 min
